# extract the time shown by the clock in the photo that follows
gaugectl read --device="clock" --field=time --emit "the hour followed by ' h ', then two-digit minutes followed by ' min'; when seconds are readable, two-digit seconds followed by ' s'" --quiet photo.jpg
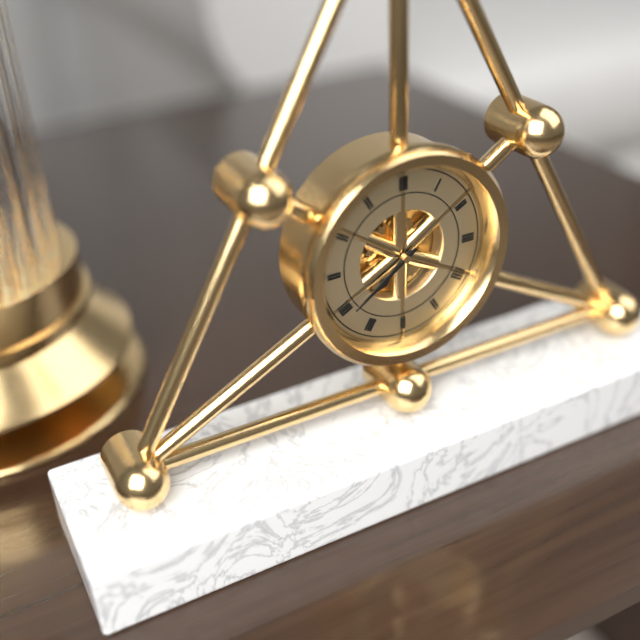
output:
7 h 39 min
